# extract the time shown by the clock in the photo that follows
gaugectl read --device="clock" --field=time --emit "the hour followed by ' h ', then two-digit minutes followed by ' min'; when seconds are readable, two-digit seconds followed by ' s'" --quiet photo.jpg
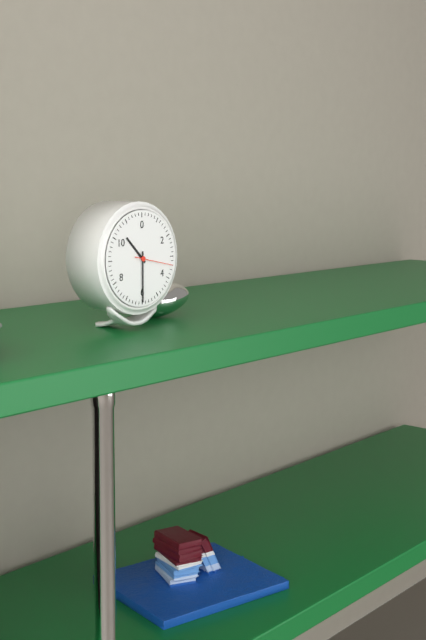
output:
10 h 30 min
